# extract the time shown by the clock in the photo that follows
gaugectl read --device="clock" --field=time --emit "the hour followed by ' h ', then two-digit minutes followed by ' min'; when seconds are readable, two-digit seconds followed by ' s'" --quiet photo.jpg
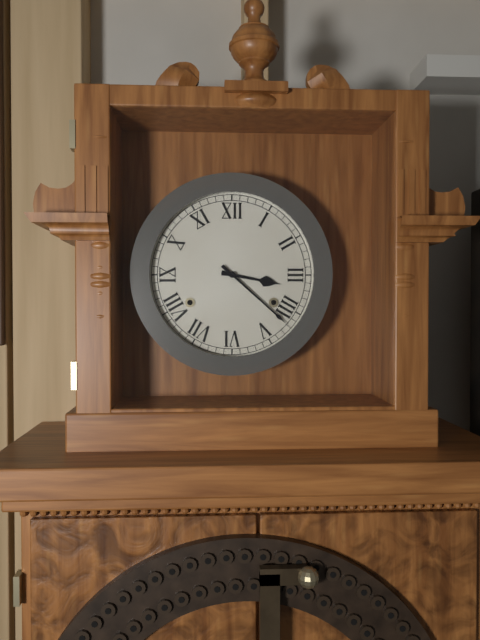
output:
3 h 22 min
